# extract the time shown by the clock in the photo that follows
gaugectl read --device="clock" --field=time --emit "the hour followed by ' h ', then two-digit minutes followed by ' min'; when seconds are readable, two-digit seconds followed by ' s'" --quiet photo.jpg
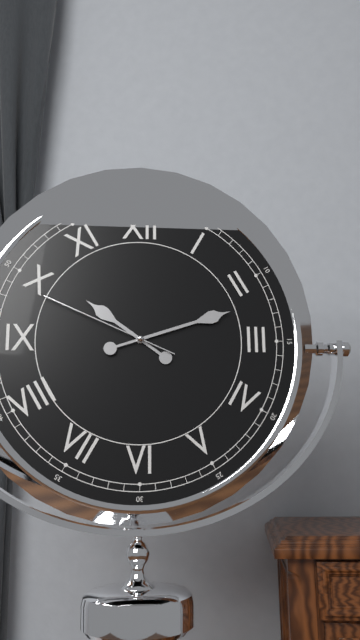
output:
10 h 12 min 49 s
